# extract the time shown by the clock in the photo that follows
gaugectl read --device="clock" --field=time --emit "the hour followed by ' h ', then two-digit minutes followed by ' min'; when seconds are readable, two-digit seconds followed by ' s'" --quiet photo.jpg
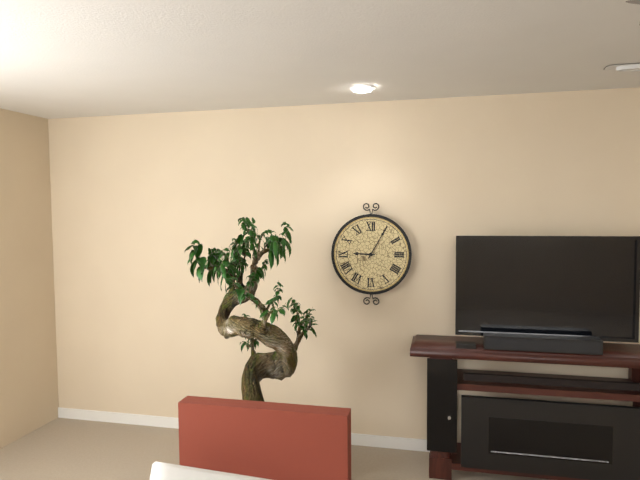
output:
9 h 05 min
